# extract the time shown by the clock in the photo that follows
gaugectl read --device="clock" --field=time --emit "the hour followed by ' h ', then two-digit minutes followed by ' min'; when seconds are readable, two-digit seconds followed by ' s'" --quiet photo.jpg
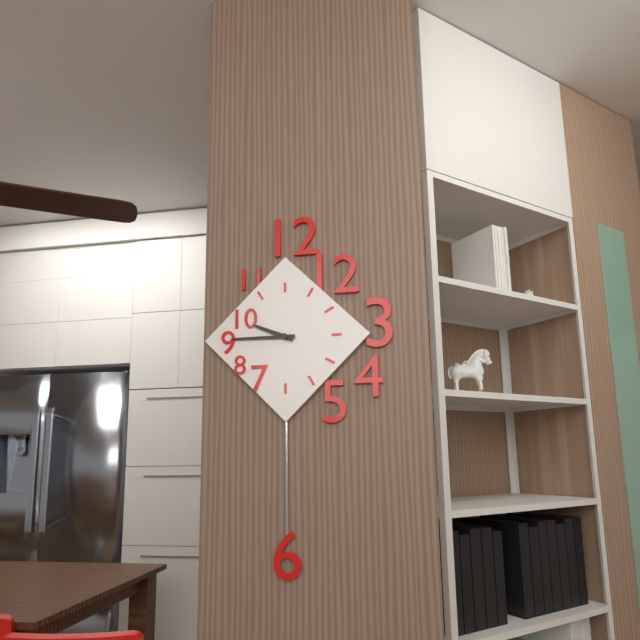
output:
9 h 45 min
